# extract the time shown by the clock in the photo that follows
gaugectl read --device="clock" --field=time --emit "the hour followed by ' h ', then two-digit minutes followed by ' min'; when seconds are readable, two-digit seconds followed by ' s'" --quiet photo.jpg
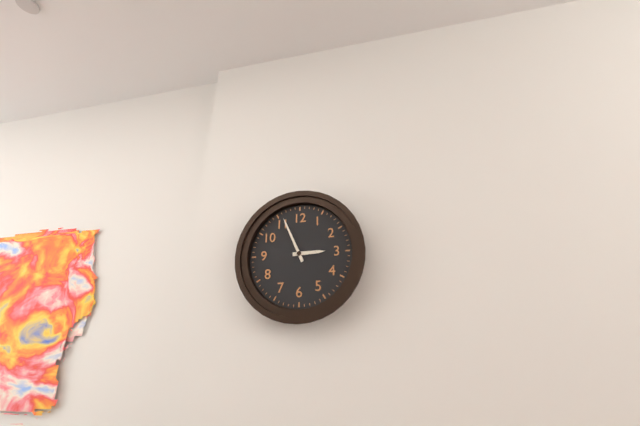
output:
2 h 56 min
